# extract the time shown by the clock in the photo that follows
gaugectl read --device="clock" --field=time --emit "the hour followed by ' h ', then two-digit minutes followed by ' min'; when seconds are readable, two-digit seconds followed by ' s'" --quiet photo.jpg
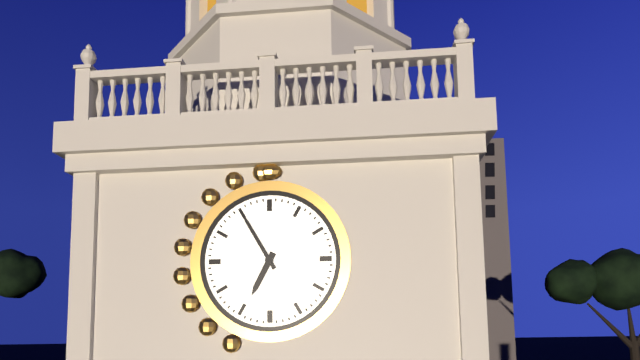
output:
6 h 55 min
